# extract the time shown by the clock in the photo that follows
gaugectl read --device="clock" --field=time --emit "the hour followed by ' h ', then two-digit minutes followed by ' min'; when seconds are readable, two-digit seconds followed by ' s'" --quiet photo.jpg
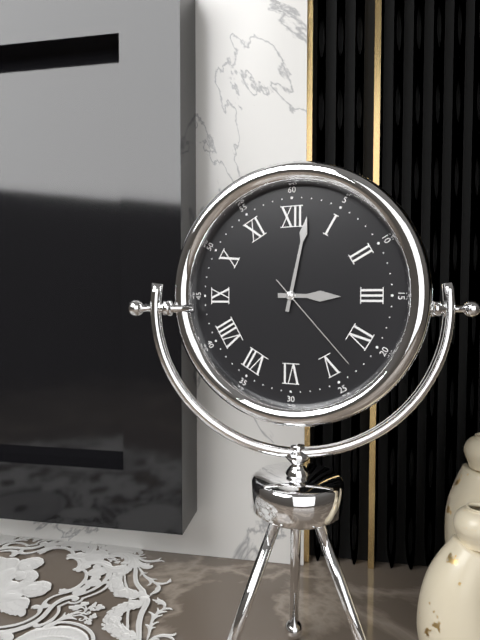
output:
3 h 02 min 23 s
